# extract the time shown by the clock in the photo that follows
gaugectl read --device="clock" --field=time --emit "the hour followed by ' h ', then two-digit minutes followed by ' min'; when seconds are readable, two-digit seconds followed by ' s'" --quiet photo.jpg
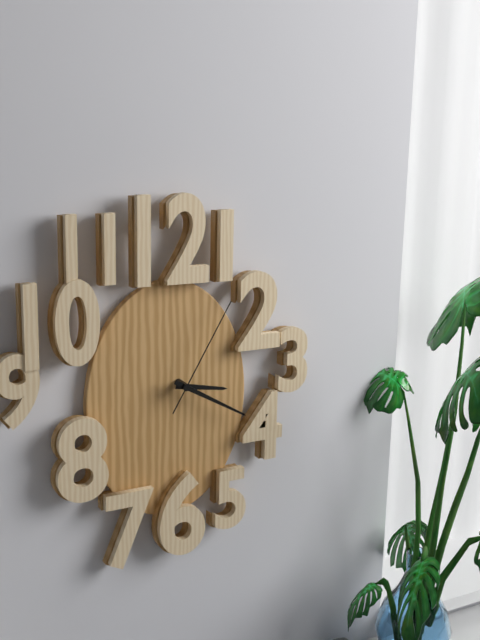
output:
3 h 20 min 05 s
